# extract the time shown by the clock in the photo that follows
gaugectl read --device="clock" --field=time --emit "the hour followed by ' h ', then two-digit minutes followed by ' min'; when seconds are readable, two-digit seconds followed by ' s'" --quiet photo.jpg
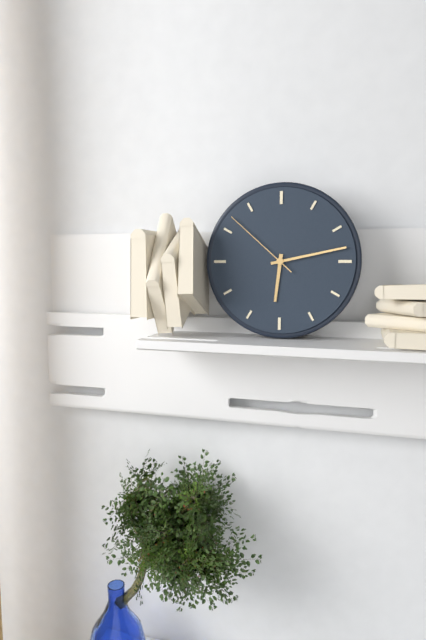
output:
6 h 13 min 52 s
